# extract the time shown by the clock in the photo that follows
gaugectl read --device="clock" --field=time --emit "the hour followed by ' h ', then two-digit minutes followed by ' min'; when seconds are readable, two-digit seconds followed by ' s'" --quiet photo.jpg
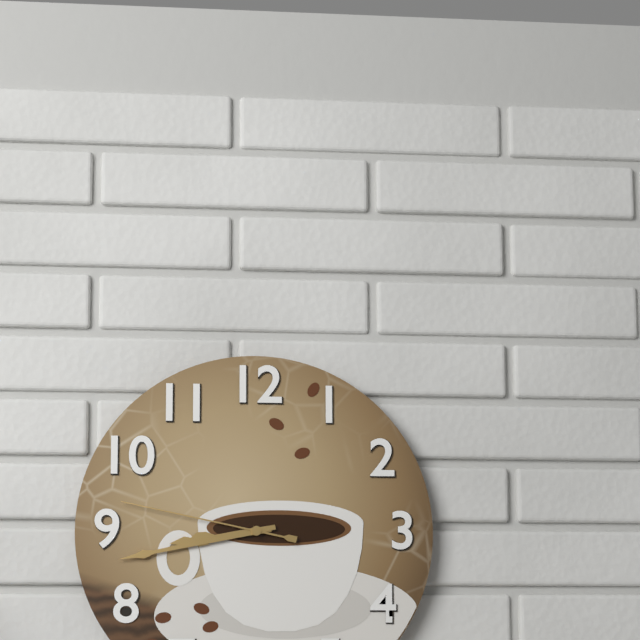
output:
8 h 43 min 47 s
